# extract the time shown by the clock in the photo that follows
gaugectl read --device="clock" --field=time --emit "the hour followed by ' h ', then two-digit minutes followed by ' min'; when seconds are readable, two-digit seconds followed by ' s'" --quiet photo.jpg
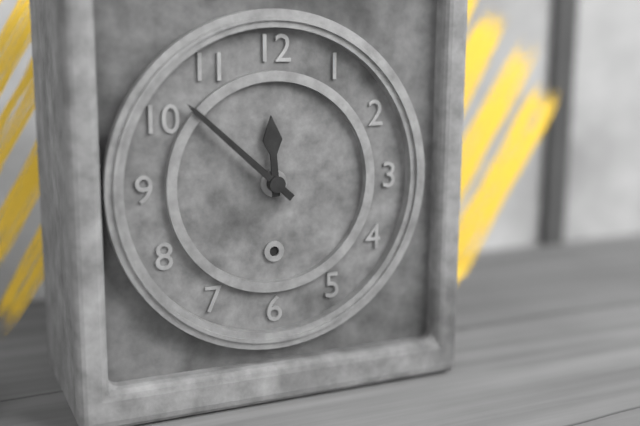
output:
11 h 52 min
